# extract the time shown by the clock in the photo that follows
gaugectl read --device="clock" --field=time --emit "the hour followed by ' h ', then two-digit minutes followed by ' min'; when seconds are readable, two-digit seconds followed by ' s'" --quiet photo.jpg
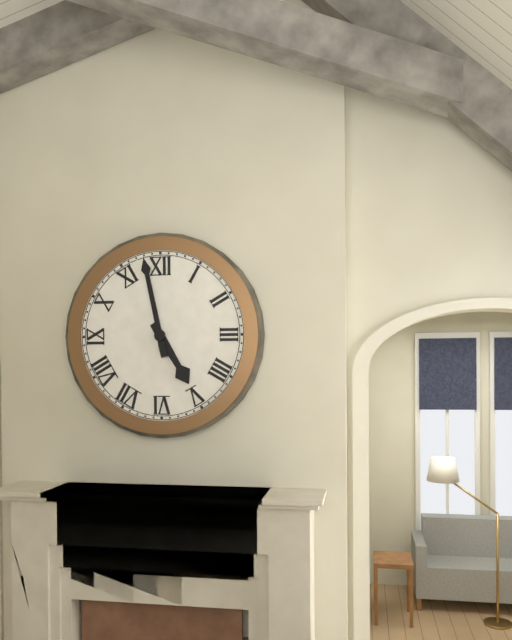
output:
4 h 58 min
